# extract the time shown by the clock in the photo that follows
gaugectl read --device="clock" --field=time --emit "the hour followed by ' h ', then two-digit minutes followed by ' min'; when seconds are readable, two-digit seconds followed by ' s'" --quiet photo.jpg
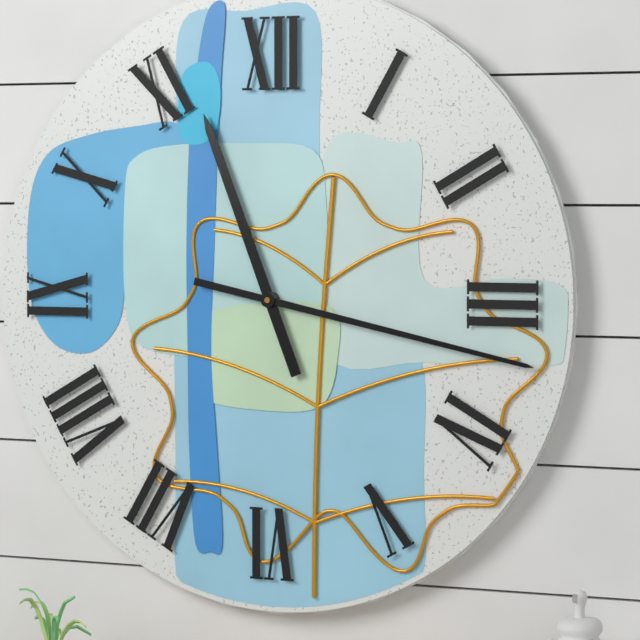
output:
11 h 17 min
